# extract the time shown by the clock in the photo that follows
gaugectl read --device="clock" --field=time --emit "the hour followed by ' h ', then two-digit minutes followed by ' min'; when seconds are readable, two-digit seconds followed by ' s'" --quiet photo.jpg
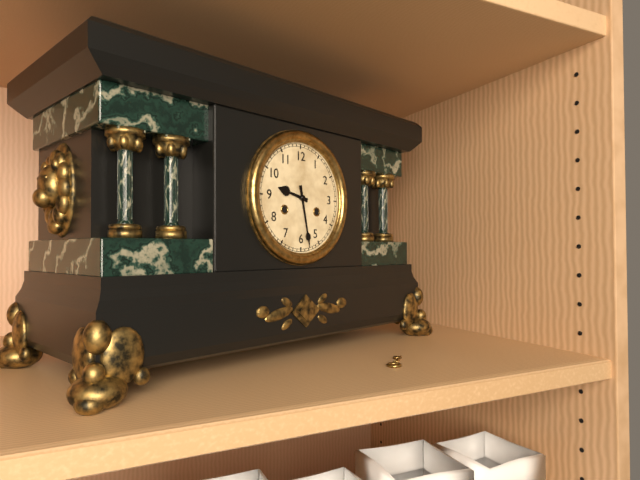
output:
9 h 28 min
